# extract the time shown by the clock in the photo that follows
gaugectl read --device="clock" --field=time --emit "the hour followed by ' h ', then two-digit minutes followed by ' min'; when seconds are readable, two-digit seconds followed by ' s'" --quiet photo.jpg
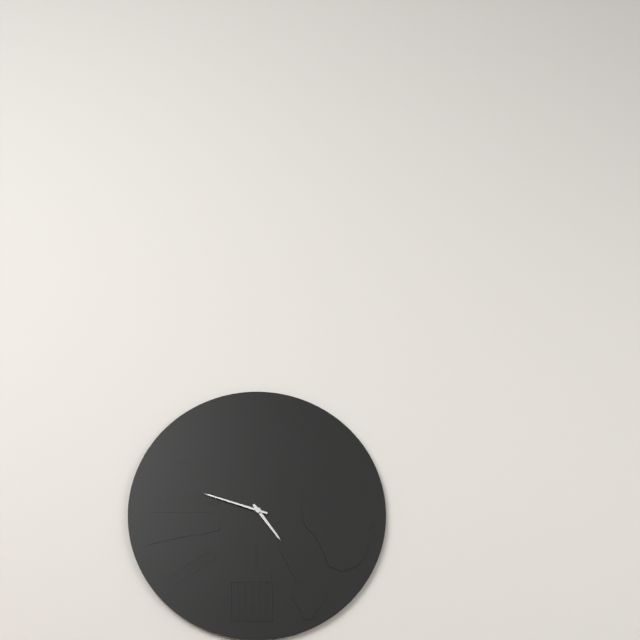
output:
4 h 48 min
